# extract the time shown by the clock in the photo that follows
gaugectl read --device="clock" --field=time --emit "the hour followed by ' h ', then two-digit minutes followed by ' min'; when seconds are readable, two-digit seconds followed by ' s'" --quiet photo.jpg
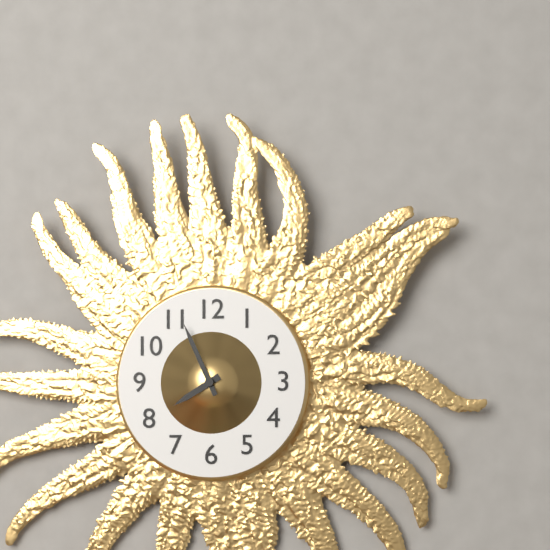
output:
7 h 56 min
